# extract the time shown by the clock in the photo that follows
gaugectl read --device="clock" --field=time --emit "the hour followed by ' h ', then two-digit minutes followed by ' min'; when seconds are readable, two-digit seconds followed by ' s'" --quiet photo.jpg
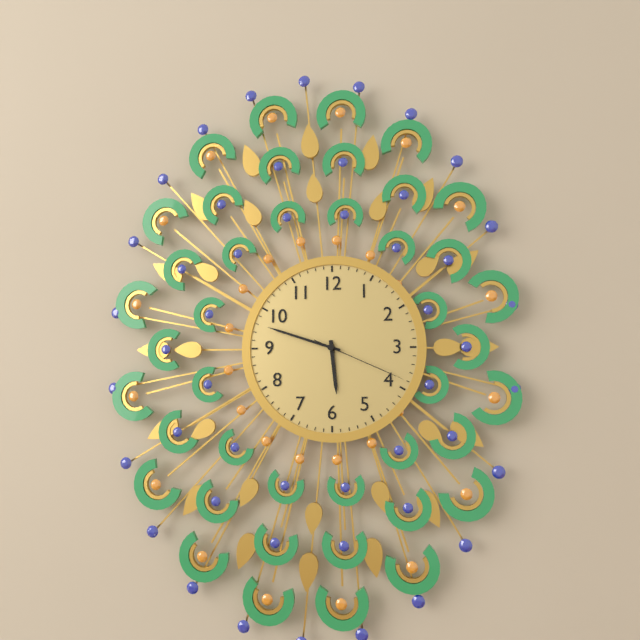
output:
5 h 48 min 19 s
